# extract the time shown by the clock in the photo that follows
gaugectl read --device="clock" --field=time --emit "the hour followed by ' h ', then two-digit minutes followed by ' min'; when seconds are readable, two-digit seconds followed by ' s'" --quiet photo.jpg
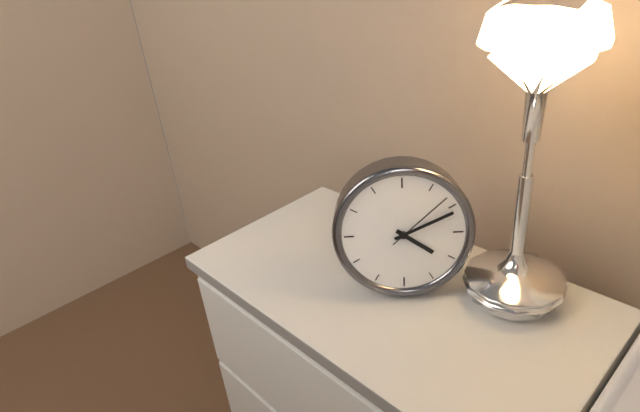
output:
4 h 11 min 08 s
